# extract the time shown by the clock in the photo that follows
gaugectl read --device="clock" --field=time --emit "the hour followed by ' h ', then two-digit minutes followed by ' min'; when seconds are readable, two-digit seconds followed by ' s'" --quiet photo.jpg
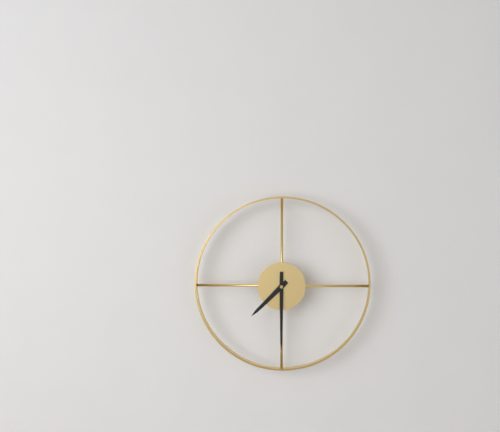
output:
7 h 30 min
